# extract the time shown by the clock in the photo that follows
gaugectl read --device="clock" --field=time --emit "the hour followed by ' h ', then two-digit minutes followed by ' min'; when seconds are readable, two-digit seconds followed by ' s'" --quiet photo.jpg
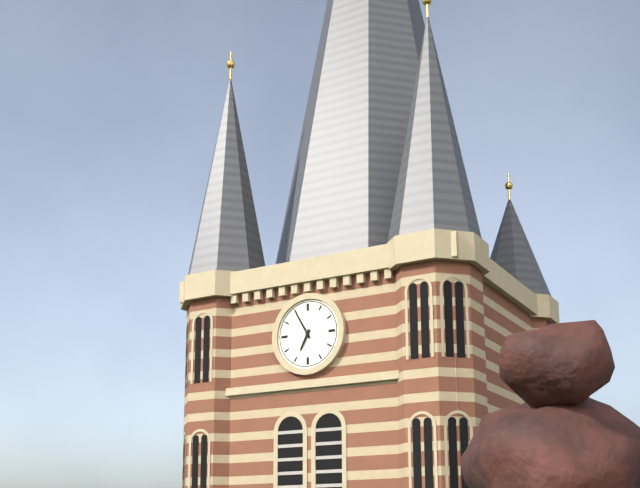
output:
6 h 55 min
